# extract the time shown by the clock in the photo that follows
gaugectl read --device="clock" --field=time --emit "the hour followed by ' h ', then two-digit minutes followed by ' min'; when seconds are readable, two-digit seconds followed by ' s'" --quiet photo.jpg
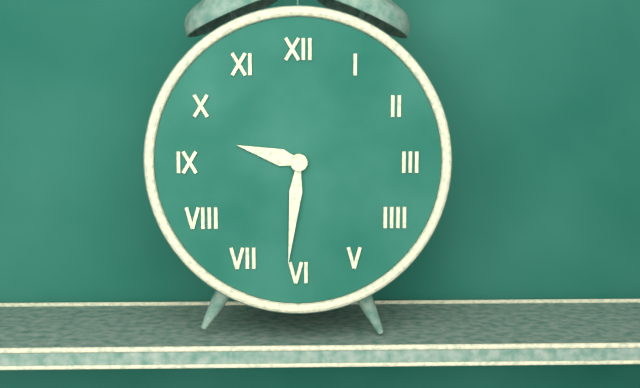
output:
9 h 31 min
